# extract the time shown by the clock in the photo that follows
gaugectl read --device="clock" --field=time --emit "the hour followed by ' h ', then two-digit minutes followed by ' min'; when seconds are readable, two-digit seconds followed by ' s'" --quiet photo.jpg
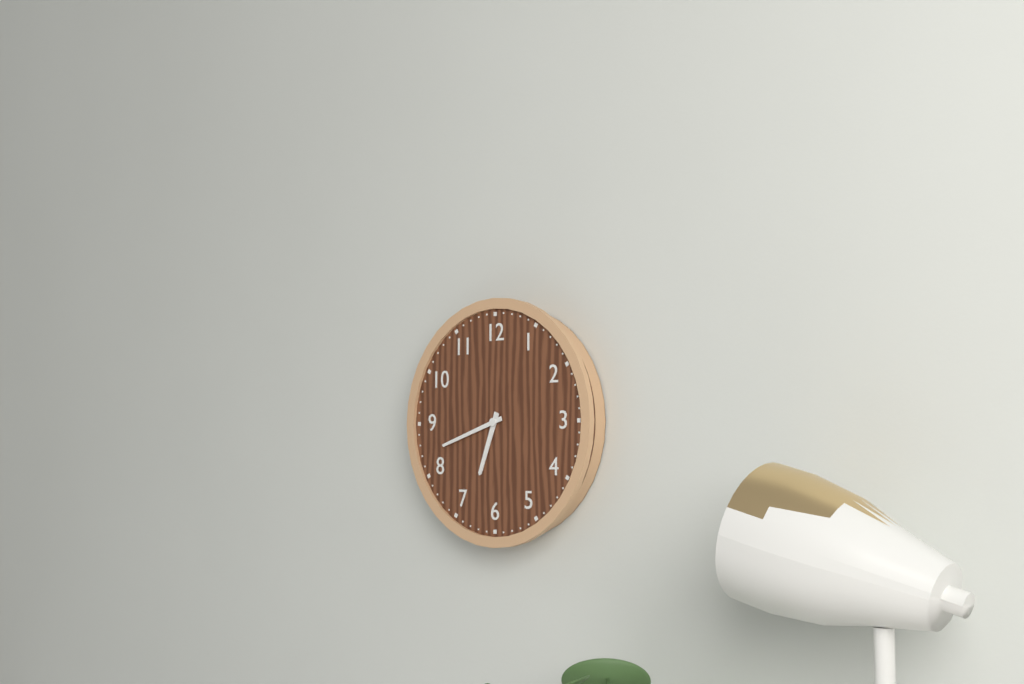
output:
6 h 42 min
